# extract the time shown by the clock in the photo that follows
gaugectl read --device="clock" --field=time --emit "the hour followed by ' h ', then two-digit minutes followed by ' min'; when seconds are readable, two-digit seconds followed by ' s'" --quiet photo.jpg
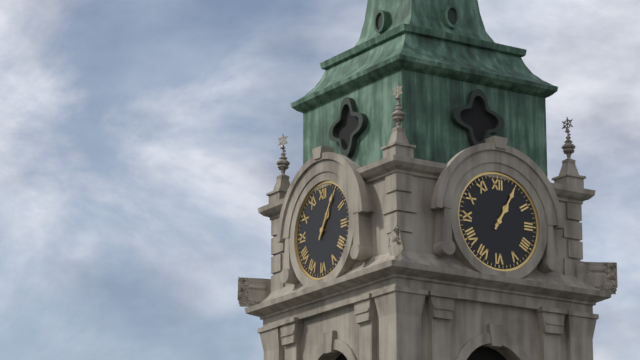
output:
1 h 05 min
